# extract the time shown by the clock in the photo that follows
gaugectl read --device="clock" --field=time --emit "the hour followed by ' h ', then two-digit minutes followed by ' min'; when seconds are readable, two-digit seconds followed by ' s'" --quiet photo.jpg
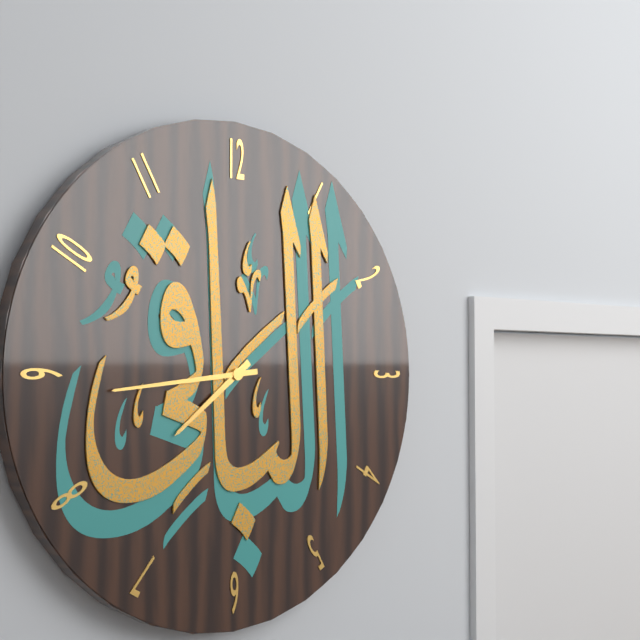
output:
7 h 44 min
